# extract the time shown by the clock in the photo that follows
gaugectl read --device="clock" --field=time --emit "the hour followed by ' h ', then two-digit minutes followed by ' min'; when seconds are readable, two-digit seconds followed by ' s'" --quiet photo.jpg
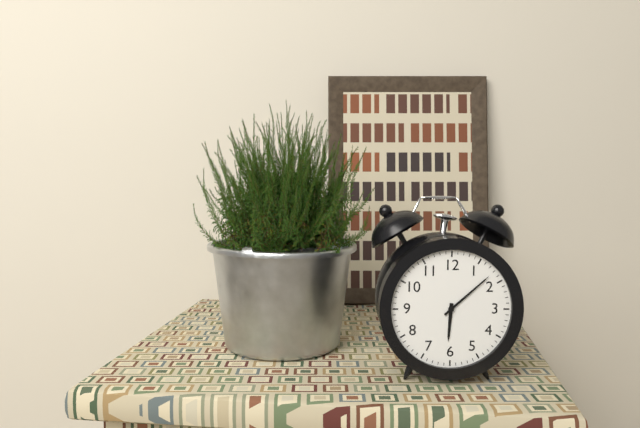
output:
6 h 08 min
